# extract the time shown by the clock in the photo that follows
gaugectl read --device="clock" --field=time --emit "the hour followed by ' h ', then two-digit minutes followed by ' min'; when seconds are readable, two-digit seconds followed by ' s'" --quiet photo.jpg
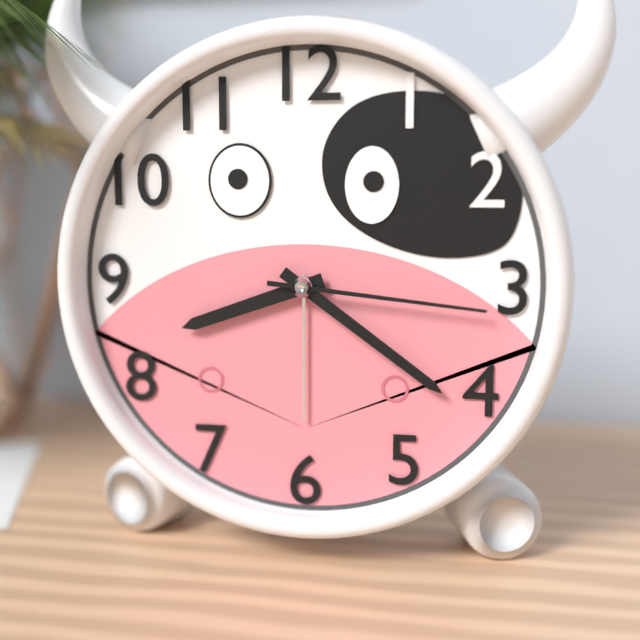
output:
8 h 21 min 16 s
